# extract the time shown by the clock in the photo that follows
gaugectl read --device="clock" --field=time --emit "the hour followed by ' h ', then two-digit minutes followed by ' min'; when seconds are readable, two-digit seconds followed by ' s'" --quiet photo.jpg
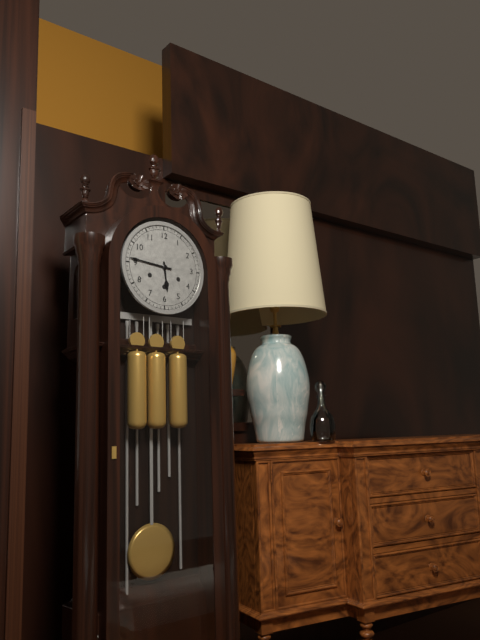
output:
5 h 46 min
